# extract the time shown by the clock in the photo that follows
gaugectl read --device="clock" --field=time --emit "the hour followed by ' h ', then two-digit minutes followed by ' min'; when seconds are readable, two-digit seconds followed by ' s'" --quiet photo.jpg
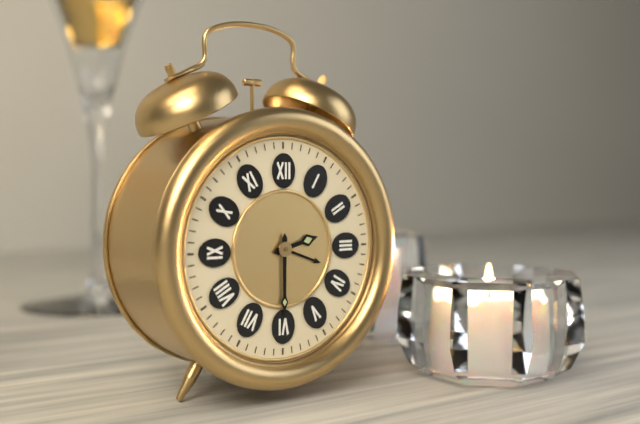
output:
2 h 30 min
